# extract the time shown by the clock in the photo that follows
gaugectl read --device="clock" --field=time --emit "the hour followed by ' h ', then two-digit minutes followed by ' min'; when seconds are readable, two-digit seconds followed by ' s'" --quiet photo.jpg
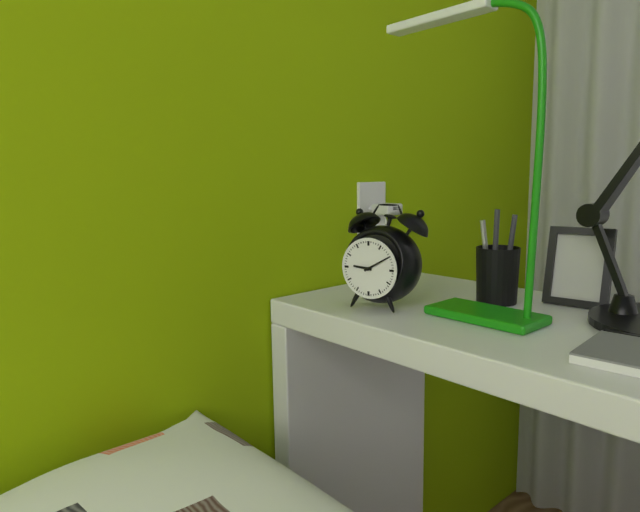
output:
9 h 10 min
